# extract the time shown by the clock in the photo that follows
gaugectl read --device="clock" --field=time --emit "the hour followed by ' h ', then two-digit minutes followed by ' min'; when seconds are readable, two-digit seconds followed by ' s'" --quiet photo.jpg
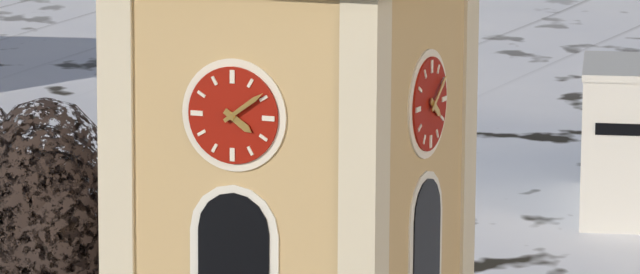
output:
4 h 09 min
